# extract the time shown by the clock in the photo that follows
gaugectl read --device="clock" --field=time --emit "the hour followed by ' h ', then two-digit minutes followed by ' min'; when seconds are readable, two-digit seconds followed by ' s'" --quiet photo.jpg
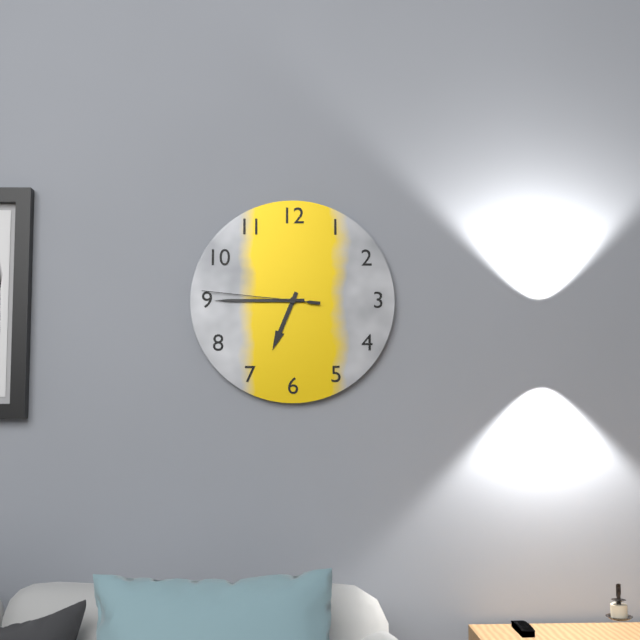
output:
6 h 45 min 46 s
